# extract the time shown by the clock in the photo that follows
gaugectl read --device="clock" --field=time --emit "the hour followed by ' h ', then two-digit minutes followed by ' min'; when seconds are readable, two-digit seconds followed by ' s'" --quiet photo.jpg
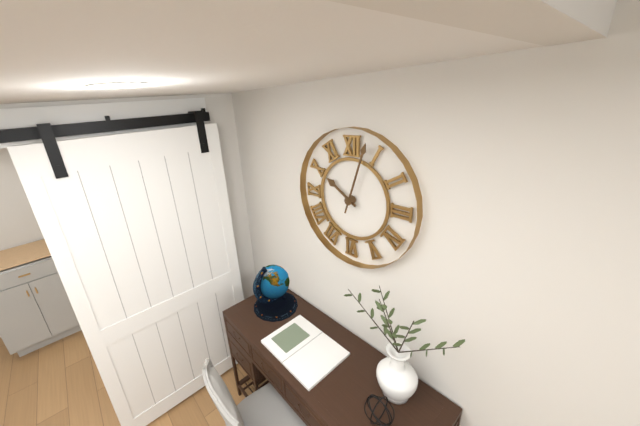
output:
10 h 03 min
